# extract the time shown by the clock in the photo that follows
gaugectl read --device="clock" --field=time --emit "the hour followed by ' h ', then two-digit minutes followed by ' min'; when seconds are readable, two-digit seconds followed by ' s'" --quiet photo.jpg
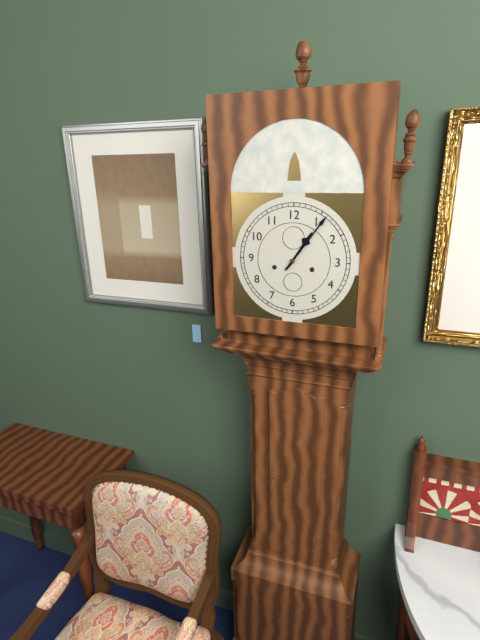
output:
1 h 06 min
